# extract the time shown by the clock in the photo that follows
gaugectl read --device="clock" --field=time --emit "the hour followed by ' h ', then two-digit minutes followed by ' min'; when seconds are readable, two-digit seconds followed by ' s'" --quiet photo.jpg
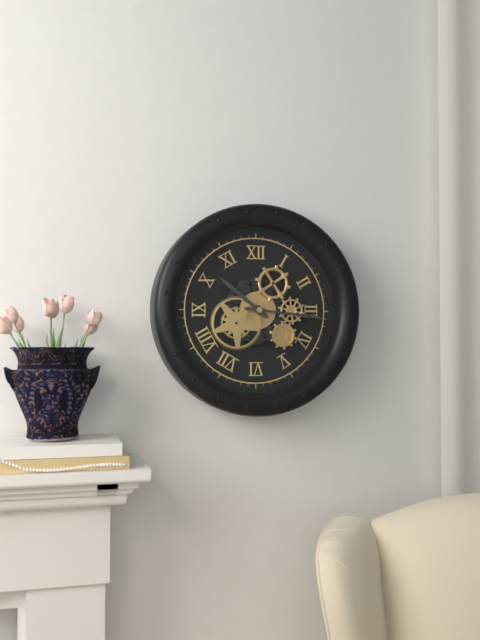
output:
10 h 16 min
